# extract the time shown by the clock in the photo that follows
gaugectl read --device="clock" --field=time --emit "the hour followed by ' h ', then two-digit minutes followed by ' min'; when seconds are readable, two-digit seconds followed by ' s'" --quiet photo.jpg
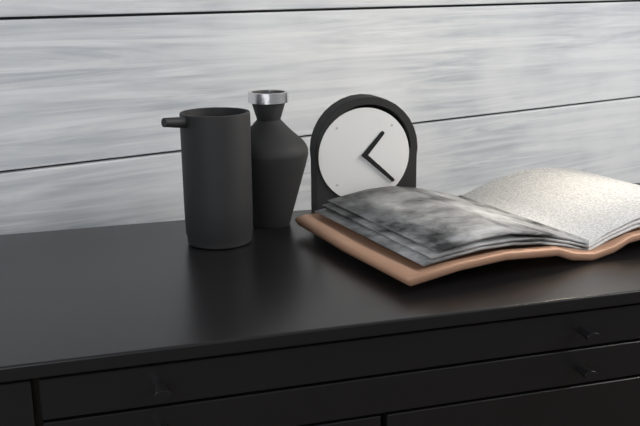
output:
1 h 22 min
